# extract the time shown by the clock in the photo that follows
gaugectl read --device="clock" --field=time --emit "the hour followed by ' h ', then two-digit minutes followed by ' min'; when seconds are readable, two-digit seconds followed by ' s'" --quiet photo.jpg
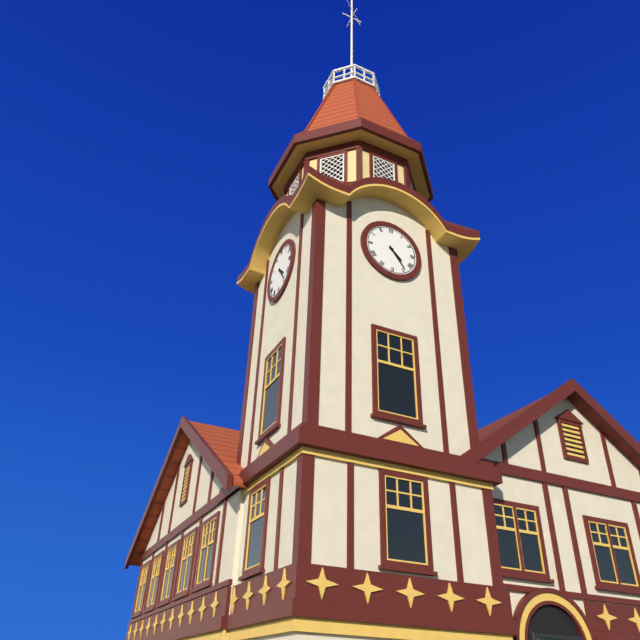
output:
4 h 24 min
